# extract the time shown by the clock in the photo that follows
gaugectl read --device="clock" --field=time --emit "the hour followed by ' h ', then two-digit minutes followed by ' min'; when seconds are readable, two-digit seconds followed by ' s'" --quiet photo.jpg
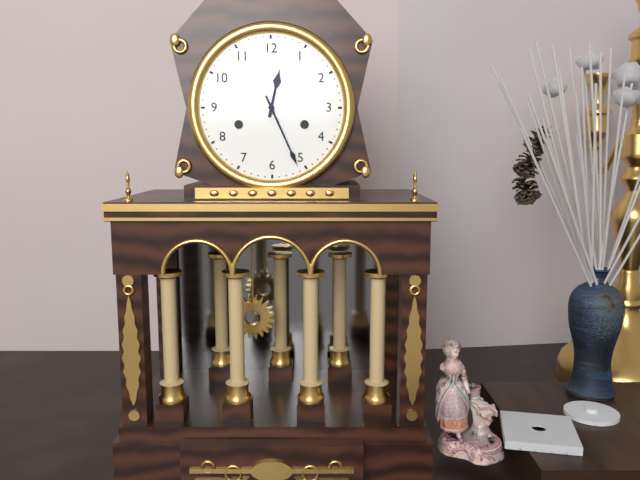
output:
12 h 26 min
